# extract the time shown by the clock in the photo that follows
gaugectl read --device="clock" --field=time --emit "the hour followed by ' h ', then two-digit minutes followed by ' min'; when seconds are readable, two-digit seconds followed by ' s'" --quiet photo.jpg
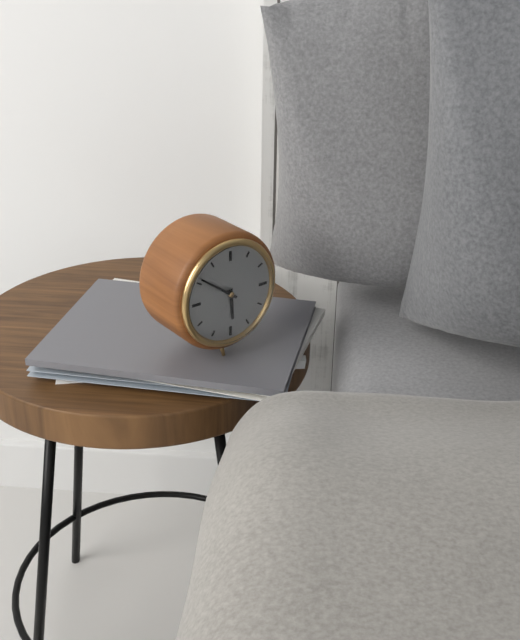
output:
5 h 51 min
